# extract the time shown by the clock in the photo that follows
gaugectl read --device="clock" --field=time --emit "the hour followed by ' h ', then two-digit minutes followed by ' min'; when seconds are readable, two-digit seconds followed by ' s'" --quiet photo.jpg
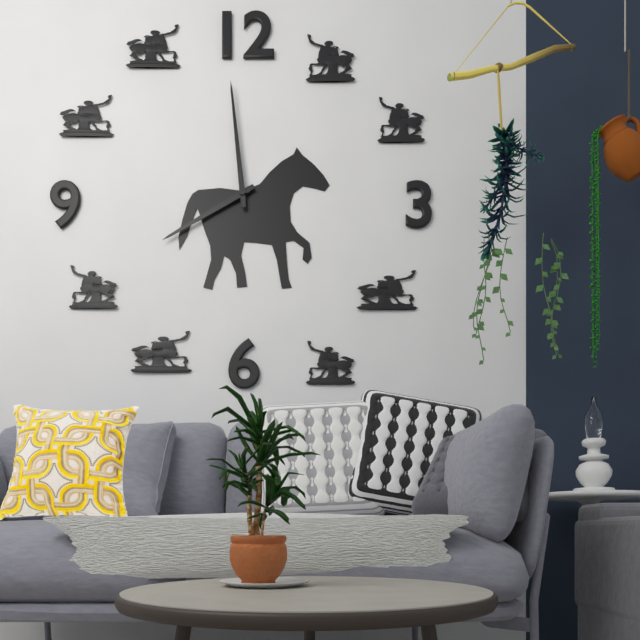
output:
7 h 59 min
